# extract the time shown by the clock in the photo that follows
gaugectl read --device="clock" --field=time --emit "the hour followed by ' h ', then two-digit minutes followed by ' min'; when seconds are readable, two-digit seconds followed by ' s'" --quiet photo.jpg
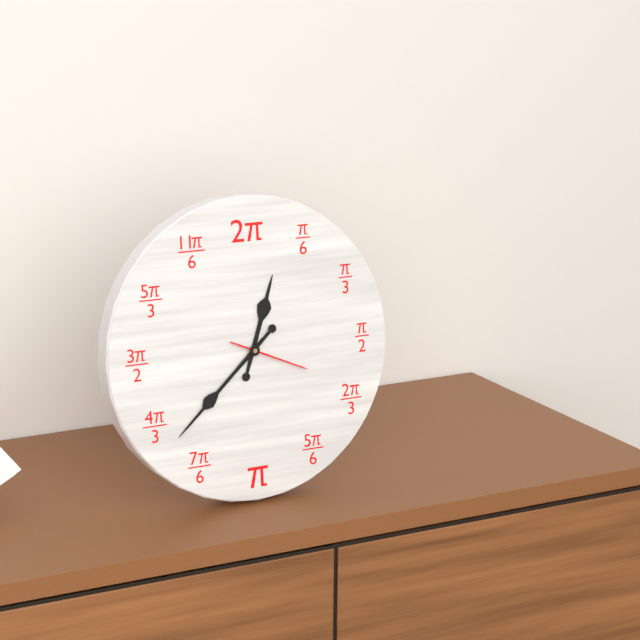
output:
12 h 38 min 19 s
